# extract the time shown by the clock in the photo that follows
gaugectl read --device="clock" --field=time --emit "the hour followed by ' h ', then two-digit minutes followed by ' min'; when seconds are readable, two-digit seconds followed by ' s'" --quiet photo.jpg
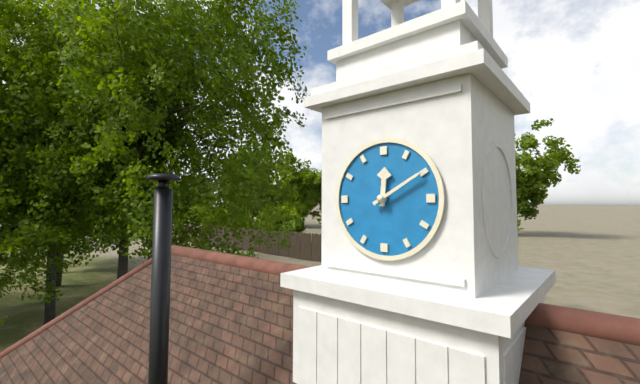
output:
12 h 10 min
